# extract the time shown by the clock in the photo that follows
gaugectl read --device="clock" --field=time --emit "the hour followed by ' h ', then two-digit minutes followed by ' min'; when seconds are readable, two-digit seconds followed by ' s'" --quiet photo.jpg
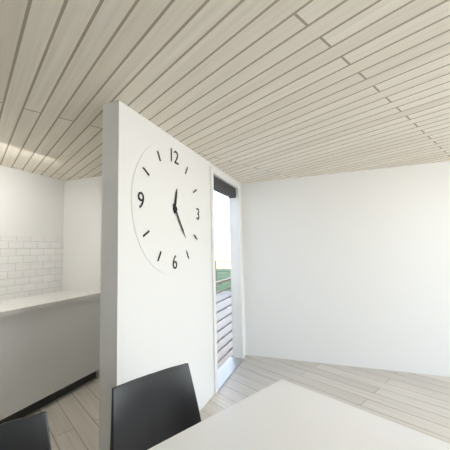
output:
12 h 24 min
